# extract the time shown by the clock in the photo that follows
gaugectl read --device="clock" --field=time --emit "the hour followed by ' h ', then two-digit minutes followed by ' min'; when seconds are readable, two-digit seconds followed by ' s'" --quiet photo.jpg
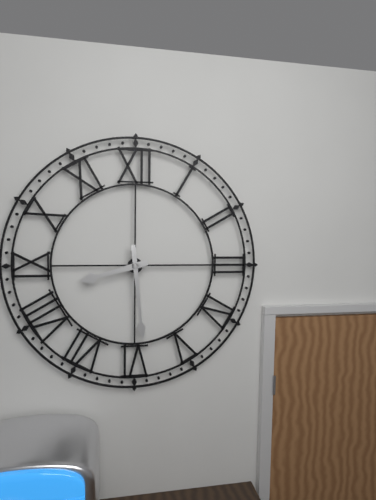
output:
8 h 29 min
